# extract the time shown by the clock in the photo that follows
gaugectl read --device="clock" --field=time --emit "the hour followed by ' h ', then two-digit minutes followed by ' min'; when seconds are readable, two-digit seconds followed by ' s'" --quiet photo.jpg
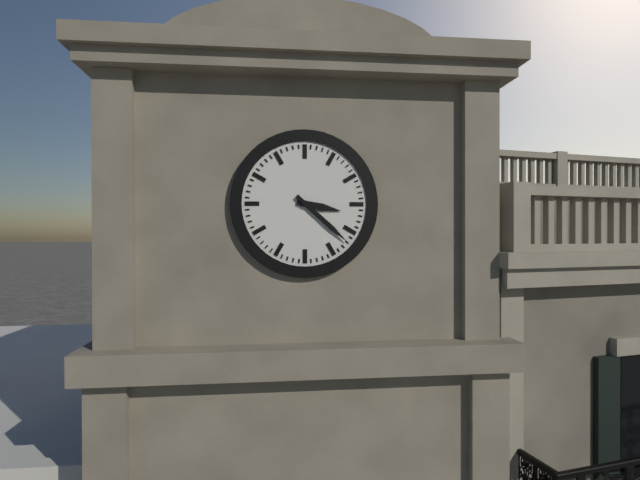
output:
3 h 22 min
